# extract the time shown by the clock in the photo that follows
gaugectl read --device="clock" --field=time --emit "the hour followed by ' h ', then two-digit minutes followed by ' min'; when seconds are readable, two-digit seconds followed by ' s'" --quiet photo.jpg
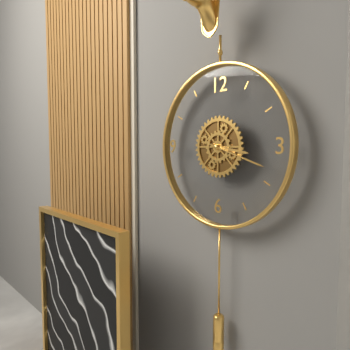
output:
3 h 18 min
